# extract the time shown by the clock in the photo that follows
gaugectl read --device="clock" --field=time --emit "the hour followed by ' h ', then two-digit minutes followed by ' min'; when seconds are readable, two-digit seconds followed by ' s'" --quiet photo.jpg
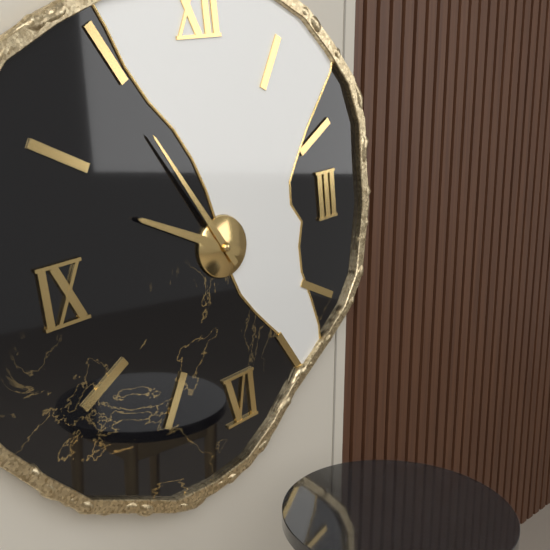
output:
9 h 55 min
